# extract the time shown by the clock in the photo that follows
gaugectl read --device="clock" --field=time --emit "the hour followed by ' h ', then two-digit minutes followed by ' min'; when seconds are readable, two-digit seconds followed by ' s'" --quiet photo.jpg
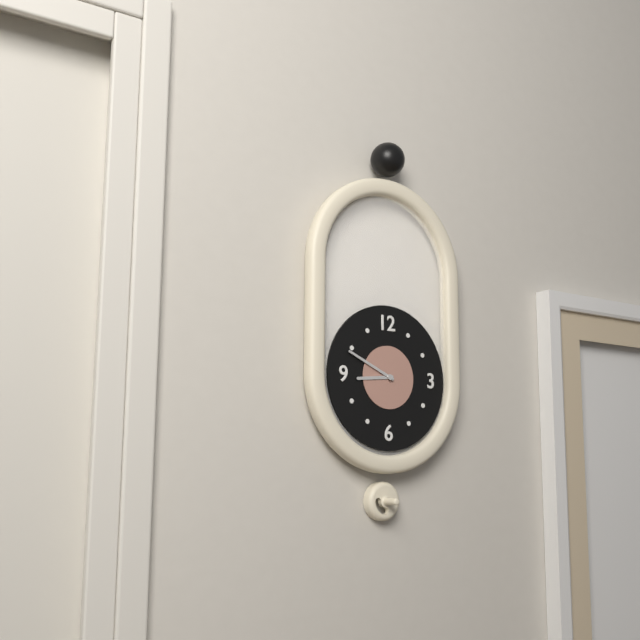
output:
8 h 49 min
